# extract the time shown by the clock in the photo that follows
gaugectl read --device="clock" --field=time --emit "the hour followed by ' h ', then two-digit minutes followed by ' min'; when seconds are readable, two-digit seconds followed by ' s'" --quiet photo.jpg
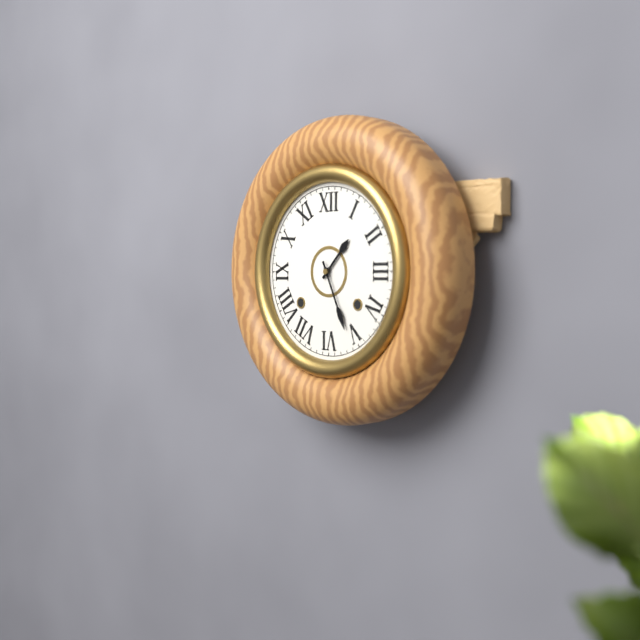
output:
1 h 26 min
